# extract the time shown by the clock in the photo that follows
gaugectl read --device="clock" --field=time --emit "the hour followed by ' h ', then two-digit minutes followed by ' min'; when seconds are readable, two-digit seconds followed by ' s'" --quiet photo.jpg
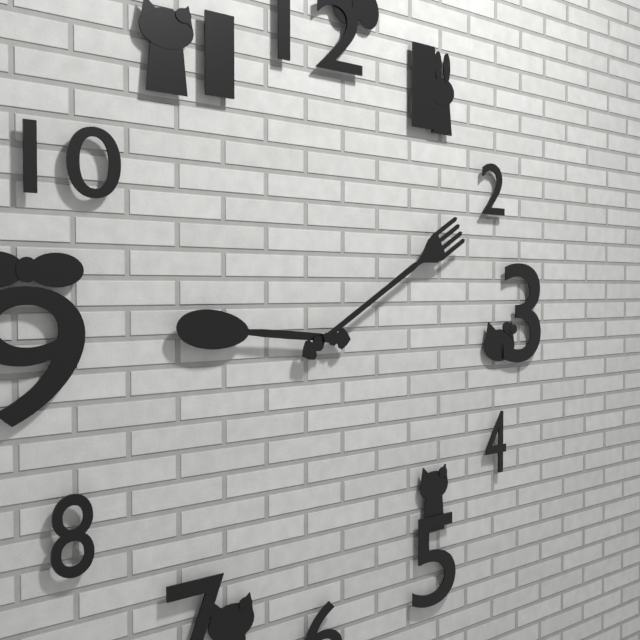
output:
9 h 10 min
